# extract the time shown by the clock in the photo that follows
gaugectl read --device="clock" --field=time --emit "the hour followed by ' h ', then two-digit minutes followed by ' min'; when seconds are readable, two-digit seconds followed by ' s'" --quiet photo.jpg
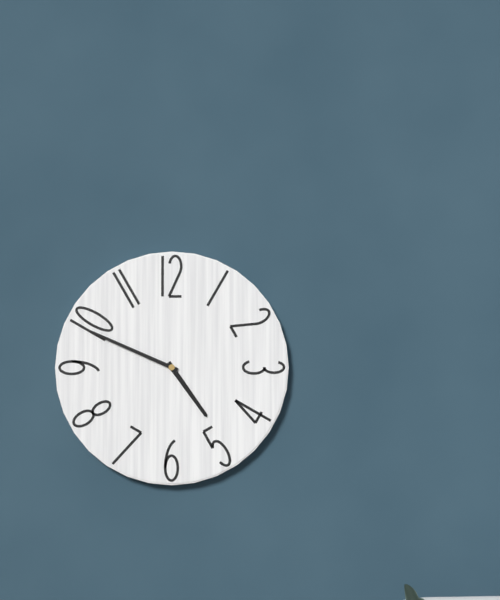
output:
4 h 49 min
